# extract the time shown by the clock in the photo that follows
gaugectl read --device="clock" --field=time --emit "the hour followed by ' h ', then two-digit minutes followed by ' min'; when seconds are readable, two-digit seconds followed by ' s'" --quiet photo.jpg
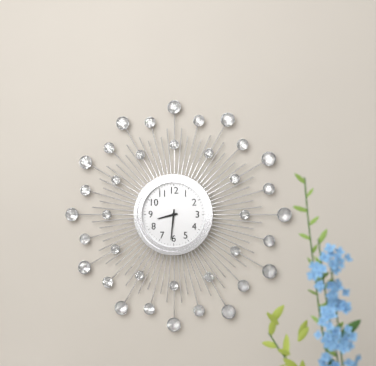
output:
8 h 31 min
